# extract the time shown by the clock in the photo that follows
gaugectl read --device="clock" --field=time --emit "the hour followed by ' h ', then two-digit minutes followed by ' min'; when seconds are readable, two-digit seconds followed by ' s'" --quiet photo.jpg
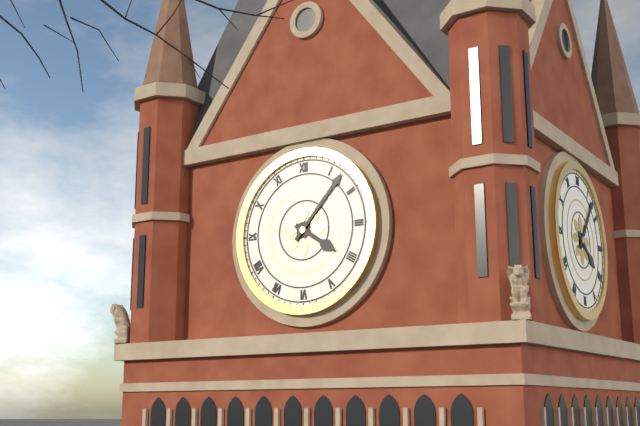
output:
4 h 07 min
